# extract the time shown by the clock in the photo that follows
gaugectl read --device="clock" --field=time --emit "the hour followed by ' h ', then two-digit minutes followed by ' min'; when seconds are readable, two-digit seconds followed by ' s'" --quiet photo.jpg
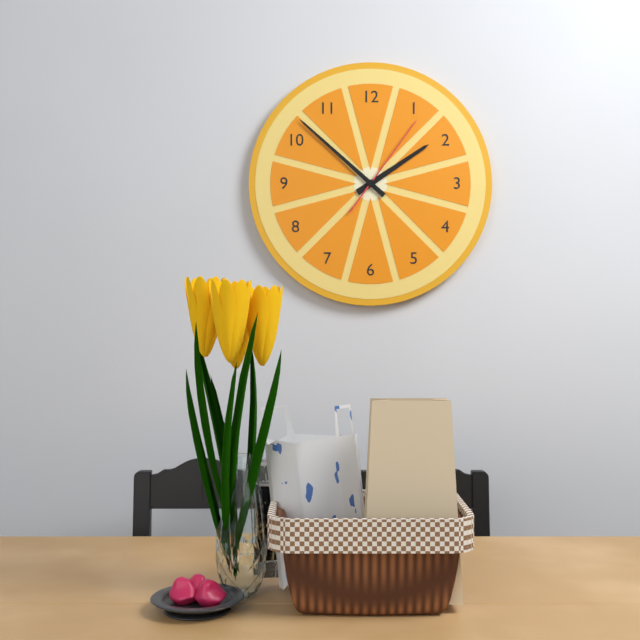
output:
1 h 52 min 06 s
